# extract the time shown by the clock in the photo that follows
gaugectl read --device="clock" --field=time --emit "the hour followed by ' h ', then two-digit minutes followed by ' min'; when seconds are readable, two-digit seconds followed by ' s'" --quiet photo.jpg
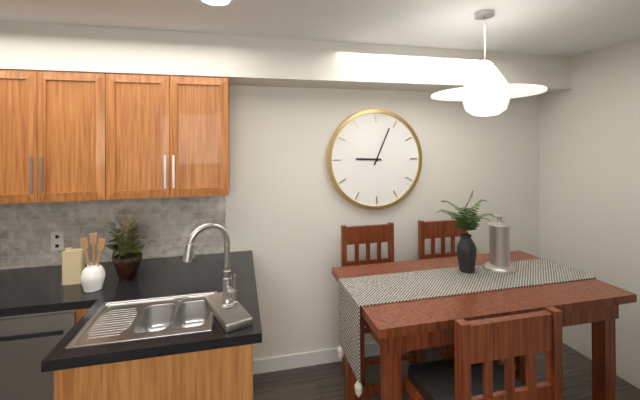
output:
9 h 04 min
